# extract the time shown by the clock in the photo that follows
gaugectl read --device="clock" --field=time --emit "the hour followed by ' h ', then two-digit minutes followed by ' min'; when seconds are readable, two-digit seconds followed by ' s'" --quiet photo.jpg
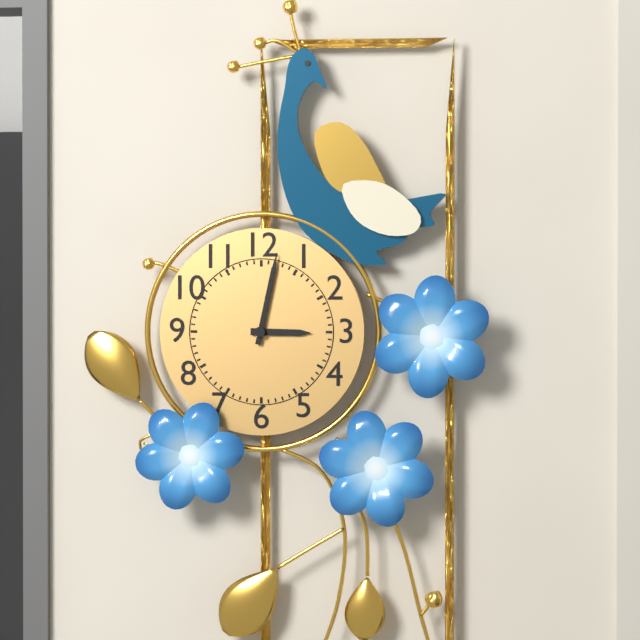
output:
3 h 02 min
